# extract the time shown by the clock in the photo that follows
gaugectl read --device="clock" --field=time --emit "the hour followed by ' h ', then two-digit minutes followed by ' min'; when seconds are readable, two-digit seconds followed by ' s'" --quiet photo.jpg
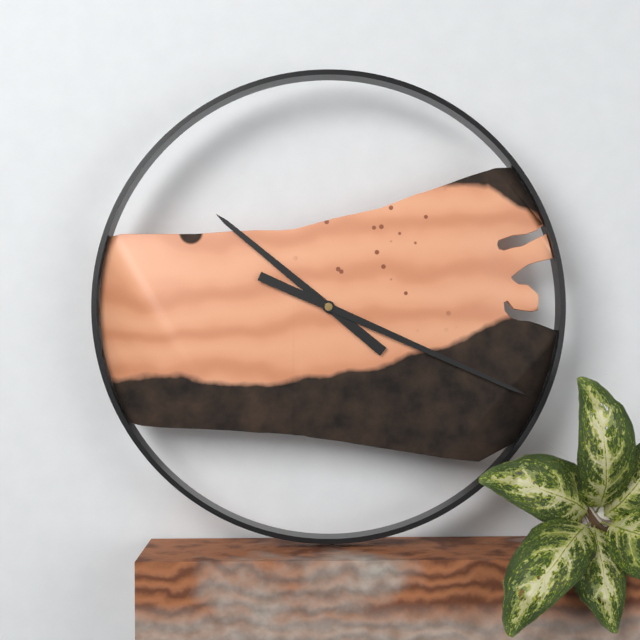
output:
10 h 19 min
